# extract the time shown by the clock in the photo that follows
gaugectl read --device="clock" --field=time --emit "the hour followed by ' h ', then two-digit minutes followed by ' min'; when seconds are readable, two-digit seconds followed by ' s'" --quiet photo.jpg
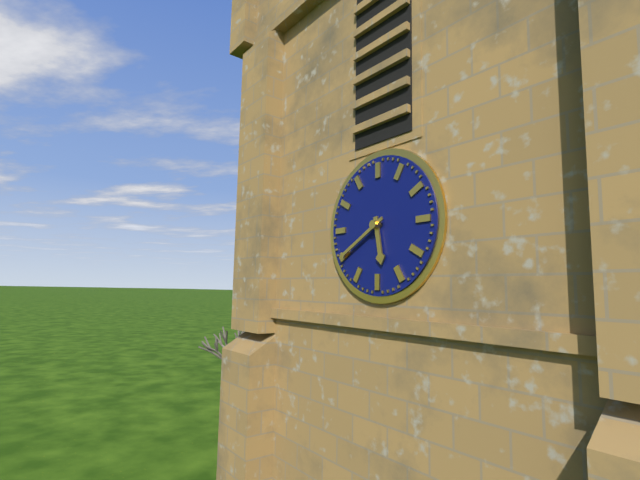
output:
5 h 40 min
